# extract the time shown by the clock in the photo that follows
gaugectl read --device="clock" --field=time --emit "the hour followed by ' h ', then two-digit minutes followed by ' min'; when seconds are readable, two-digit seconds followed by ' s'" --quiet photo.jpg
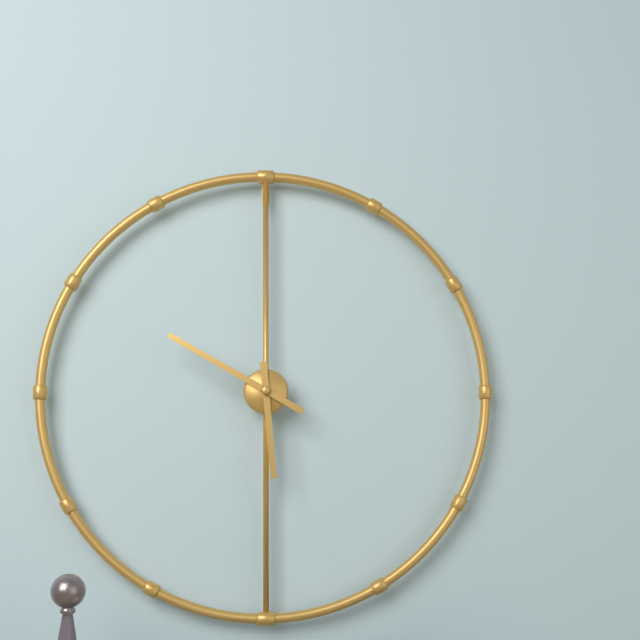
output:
5 h 50 min
